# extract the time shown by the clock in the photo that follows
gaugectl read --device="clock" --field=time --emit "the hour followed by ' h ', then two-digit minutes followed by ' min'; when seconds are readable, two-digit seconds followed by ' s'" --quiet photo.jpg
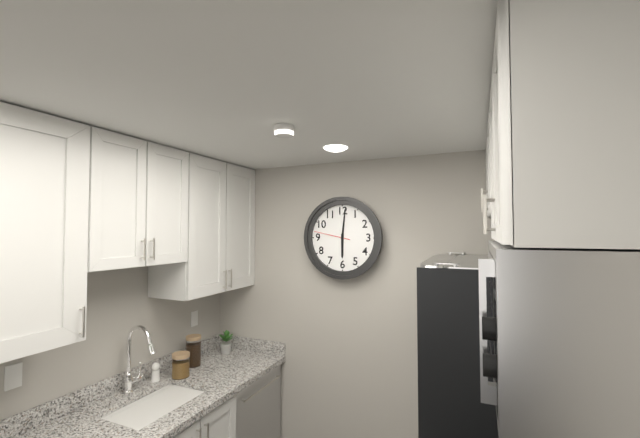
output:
6 h 01 min
